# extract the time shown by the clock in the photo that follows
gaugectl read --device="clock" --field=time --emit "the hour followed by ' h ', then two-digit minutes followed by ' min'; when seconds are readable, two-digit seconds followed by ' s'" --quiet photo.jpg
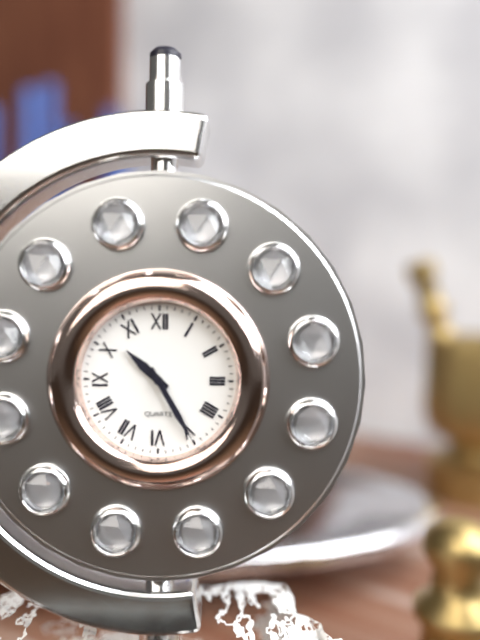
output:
10 h 25 min
